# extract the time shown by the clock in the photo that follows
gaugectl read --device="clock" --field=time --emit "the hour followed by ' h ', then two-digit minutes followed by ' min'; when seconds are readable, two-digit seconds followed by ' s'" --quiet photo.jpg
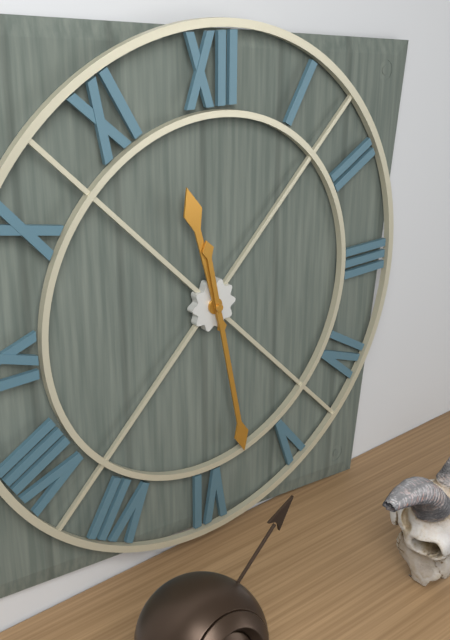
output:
11 h 28 min
